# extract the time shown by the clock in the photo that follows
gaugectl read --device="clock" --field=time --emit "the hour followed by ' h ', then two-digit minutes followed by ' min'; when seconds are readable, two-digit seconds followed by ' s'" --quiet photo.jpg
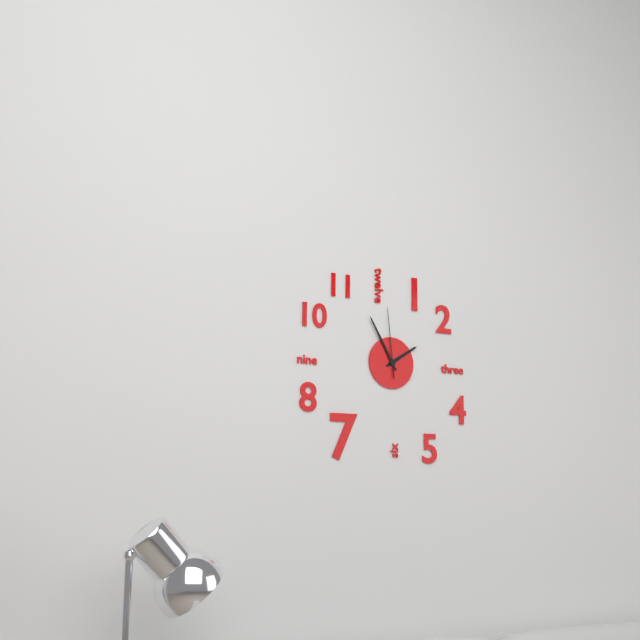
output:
1 h 55 min 59 s
